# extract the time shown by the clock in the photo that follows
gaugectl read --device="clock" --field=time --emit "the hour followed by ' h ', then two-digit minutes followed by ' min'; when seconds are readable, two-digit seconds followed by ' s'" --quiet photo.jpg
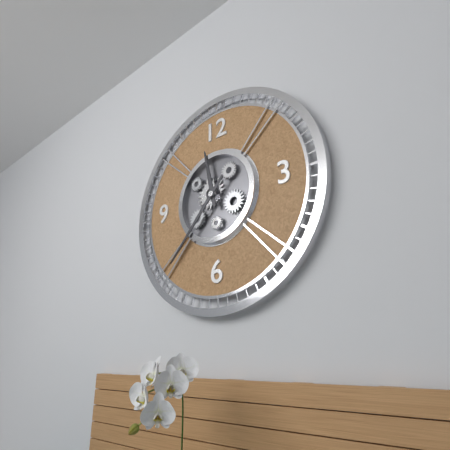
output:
11 h 37 min
